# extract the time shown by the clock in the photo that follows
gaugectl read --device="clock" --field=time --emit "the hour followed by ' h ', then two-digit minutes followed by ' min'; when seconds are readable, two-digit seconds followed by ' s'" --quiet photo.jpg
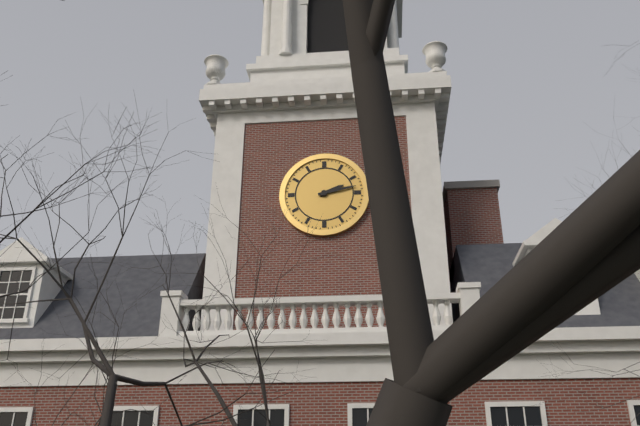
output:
2 h 13 min
